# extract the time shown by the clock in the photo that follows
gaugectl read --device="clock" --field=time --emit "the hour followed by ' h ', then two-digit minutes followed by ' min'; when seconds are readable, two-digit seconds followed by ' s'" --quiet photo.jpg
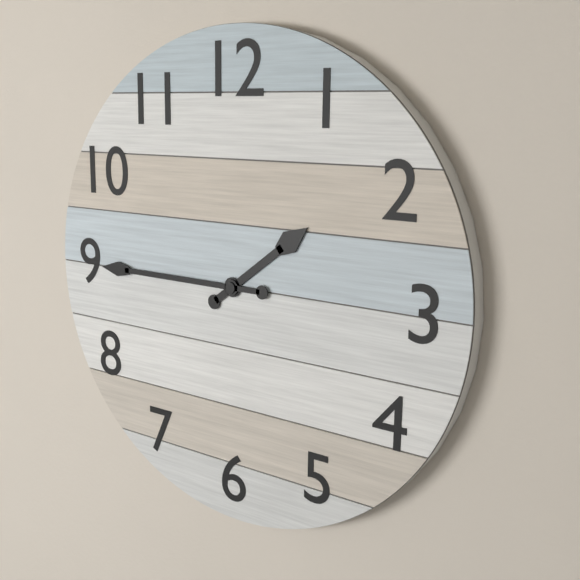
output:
1 h 45 min
